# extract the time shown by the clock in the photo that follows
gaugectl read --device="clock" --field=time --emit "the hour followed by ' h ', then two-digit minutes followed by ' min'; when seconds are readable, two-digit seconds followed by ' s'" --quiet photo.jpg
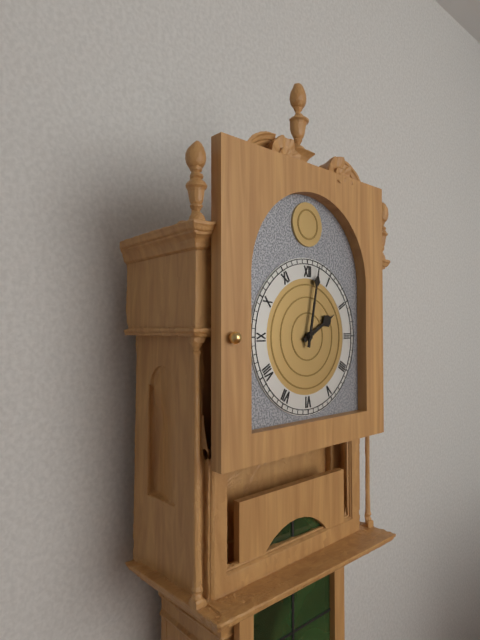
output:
2 h 02 min
